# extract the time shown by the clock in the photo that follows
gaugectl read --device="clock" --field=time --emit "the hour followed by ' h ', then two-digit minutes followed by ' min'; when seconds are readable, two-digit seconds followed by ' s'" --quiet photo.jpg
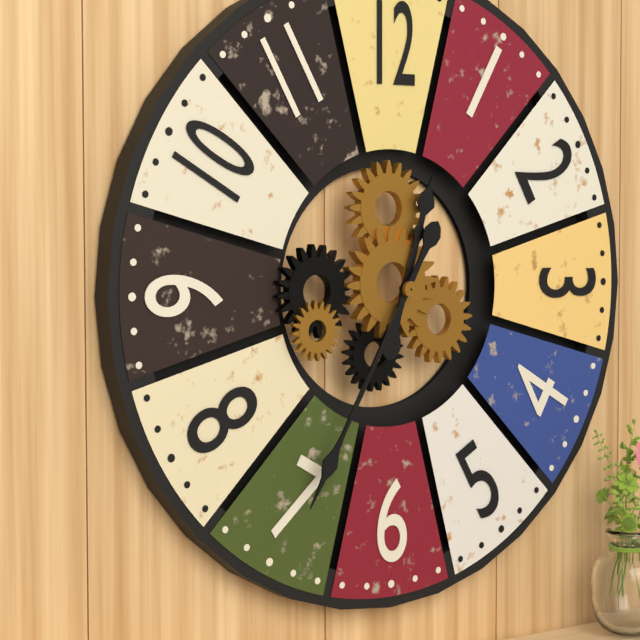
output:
12 h 35 min
